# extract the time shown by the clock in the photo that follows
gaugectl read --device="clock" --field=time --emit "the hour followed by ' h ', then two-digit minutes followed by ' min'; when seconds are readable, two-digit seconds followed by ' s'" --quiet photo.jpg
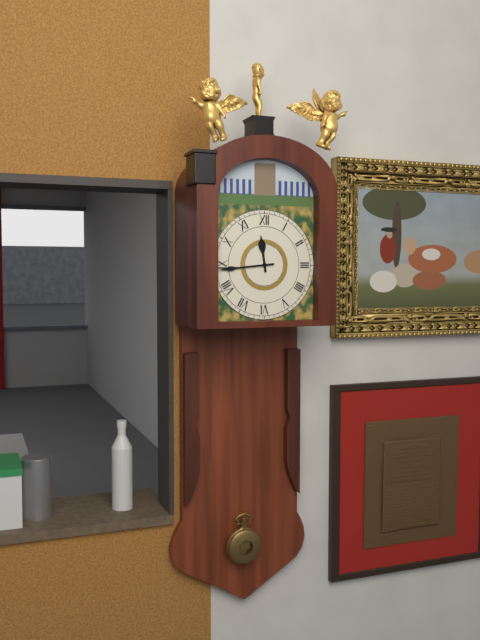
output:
11 h 44 min
